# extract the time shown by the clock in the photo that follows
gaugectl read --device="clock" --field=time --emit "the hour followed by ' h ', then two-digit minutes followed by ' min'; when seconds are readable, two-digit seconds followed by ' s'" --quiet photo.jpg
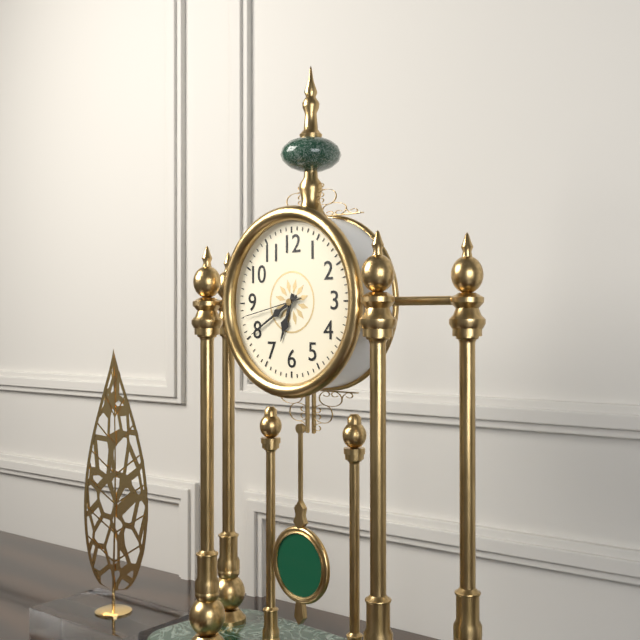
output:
6 h 40 min 43 s
